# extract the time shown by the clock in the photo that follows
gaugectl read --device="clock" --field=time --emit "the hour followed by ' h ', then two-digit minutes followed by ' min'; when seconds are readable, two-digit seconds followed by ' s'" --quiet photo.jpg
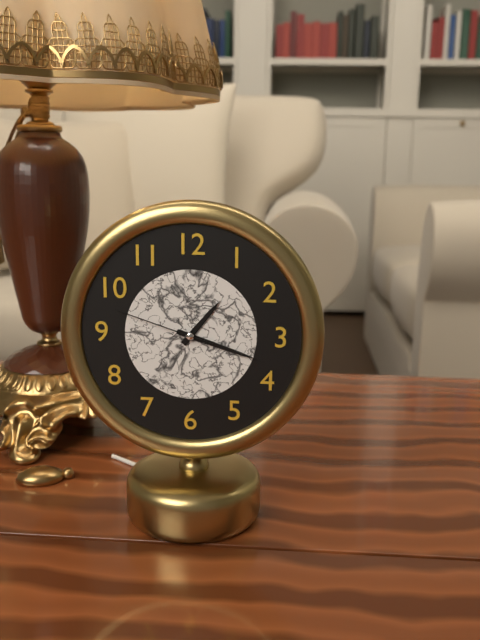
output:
1 h 18 min 48 s
